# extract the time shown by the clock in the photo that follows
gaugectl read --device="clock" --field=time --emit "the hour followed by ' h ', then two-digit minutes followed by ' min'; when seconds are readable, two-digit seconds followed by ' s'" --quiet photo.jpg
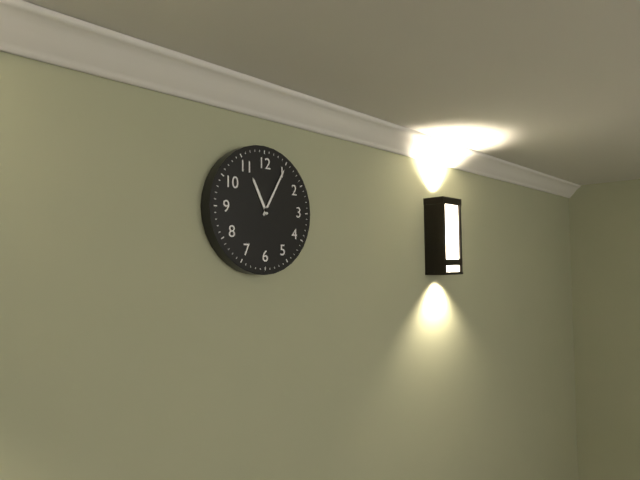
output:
11 h 05 min
